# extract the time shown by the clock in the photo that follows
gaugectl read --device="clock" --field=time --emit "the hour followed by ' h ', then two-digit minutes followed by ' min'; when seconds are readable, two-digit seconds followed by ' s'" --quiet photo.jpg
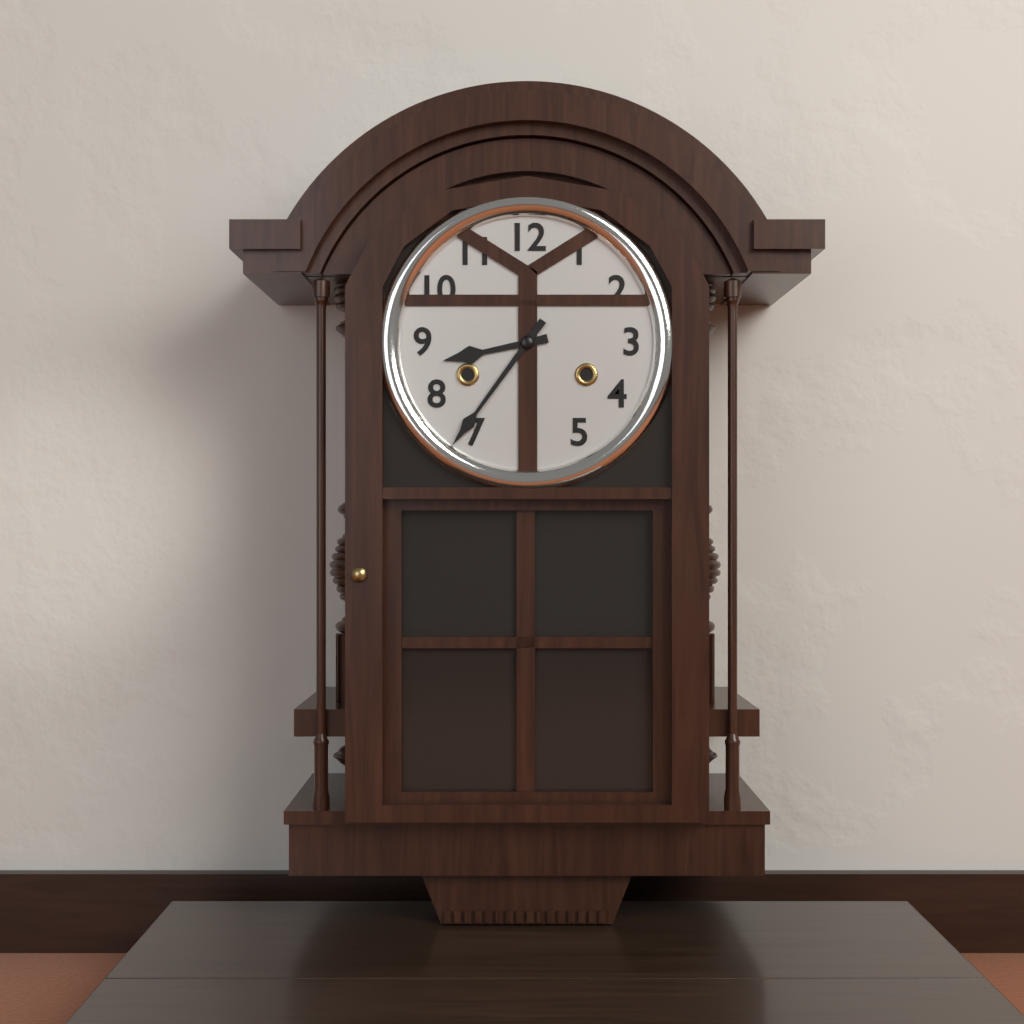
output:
8 h 36 min
